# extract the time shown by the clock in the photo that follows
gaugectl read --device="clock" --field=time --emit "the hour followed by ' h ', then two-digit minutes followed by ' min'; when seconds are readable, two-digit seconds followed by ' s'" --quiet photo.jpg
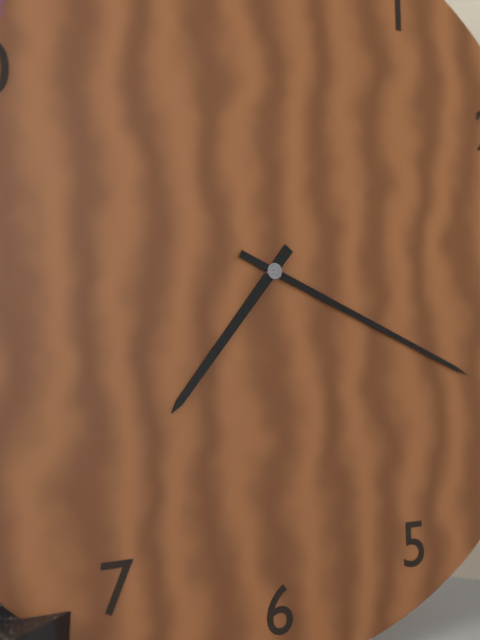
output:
7 h 19 min
